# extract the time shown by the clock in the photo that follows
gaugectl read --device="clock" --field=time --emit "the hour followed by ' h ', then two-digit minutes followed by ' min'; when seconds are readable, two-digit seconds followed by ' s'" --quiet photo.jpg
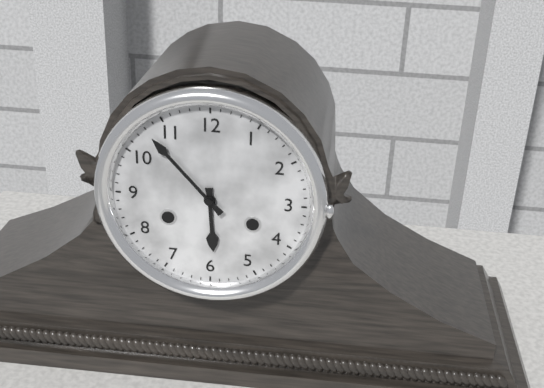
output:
5 h 53 min
